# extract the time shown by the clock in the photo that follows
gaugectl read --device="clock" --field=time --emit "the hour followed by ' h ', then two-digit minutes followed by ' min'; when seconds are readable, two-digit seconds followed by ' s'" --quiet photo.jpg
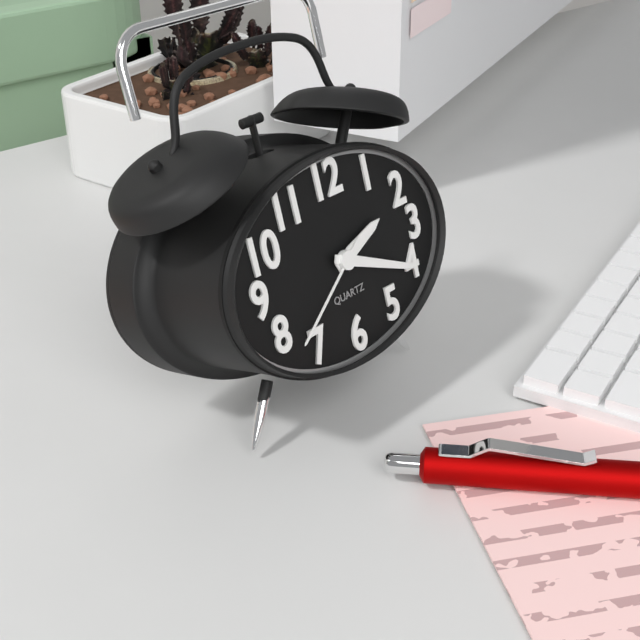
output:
2 h 19 min 39 s
